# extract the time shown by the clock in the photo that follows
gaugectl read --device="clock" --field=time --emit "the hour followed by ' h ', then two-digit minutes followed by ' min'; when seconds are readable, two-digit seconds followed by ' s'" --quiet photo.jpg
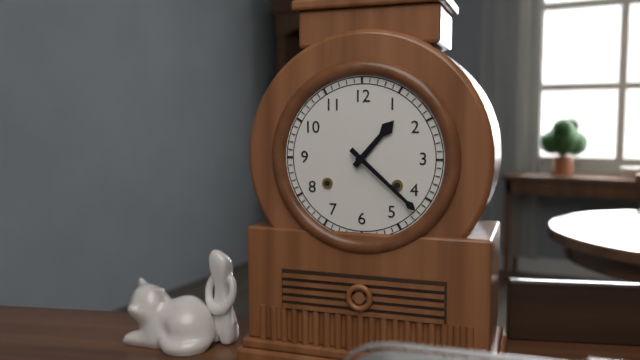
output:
1 h 22 min
